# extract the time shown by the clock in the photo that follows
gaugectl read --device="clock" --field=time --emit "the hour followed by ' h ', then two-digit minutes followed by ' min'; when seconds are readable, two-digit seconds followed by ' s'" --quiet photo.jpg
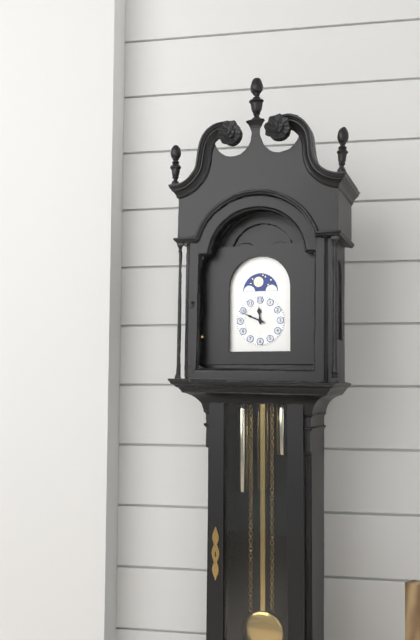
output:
11 h 49 min
